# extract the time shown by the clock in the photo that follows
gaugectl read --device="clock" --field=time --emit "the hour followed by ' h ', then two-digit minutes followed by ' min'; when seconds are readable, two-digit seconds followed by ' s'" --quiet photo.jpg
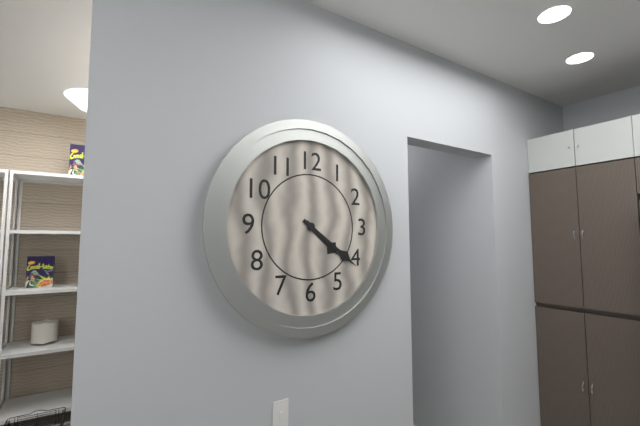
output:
4 h 21 min
